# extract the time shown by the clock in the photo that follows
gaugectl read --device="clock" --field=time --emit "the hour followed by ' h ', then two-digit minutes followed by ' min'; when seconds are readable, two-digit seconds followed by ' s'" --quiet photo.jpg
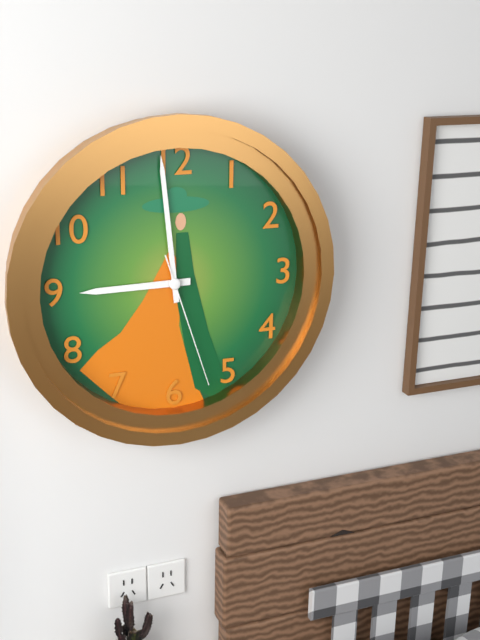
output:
8 h 59 min 27 s
